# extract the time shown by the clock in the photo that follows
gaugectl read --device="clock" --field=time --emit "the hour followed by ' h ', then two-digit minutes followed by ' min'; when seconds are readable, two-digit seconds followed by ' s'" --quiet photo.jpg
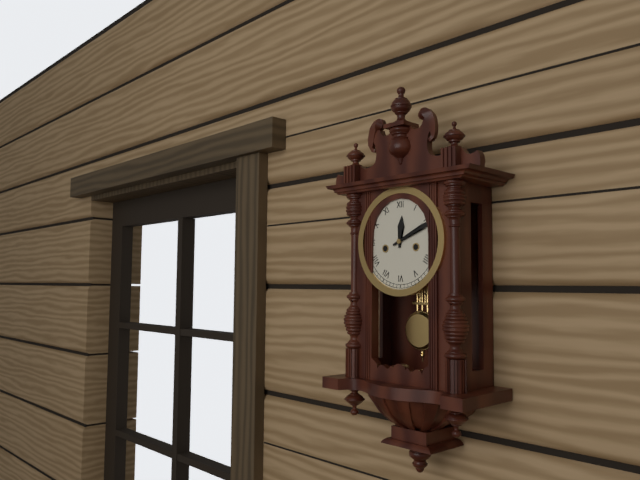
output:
12 h 11 min
